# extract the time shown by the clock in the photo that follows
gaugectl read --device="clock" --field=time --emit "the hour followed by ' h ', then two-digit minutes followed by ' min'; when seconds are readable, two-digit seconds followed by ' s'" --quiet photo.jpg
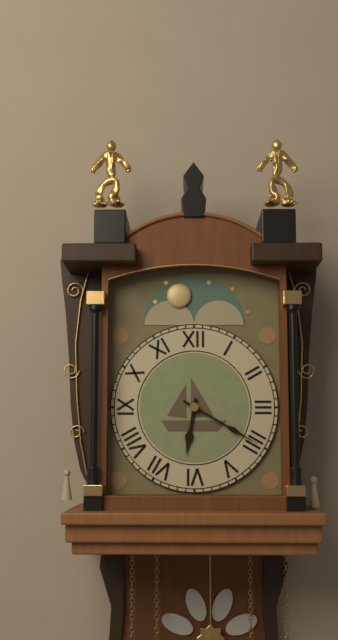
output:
6 h 20 min
